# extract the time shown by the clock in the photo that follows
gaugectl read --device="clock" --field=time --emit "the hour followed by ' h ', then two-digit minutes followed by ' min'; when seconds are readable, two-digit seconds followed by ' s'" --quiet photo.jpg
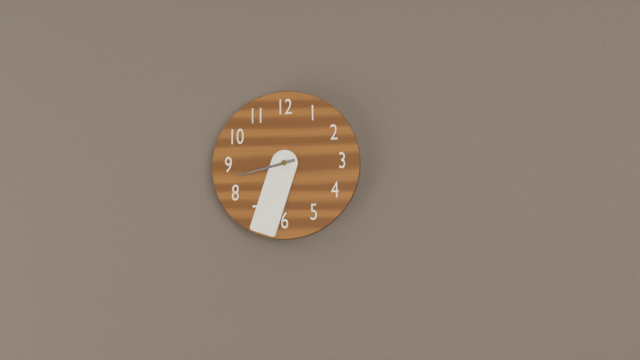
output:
8 h 33 min
